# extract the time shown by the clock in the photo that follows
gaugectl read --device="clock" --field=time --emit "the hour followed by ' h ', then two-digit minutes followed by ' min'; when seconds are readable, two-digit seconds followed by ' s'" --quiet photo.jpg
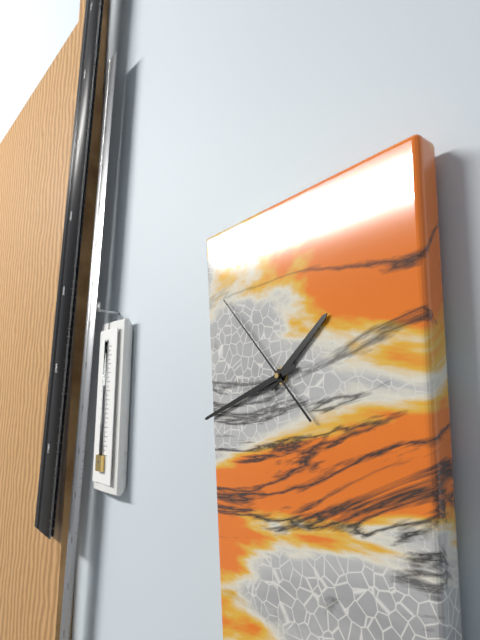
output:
1 h 42 min 53 s
